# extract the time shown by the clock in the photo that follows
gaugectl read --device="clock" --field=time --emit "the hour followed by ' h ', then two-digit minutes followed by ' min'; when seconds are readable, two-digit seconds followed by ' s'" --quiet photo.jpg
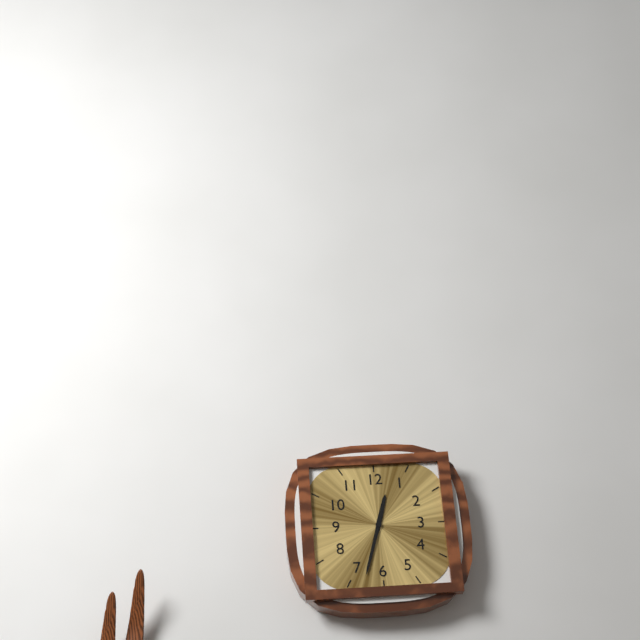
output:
12 h 33 min
